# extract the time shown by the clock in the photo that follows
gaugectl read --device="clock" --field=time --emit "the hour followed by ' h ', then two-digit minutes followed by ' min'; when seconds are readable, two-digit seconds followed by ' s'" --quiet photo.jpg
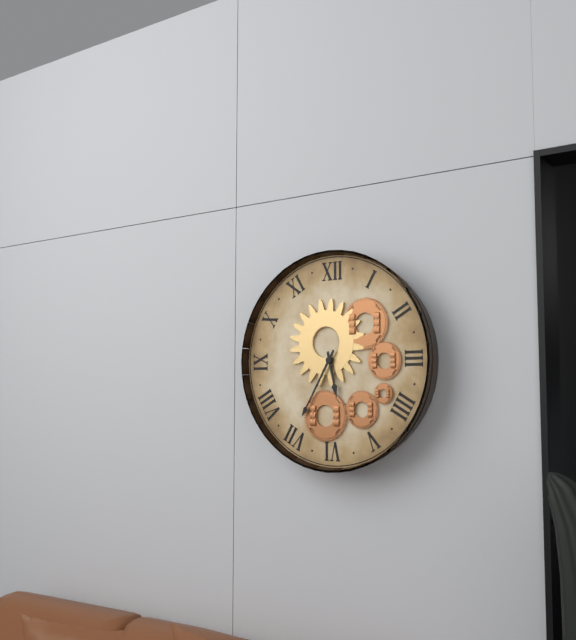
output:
5 h 35 min
